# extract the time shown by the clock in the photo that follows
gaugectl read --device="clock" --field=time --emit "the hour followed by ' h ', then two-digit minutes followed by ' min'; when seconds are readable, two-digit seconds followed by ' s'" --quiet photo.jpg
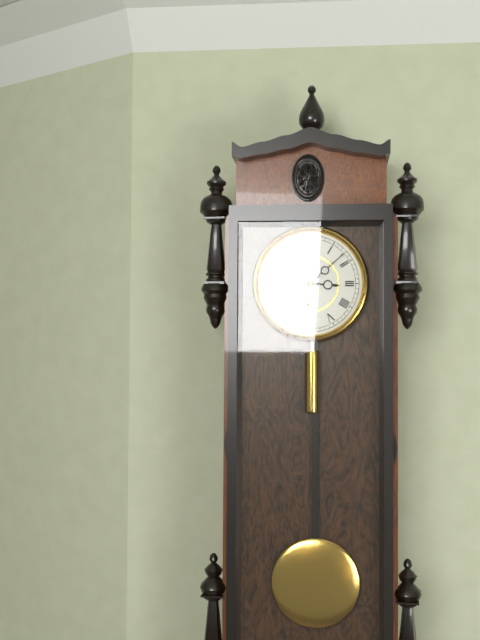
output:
3 h 08 min
